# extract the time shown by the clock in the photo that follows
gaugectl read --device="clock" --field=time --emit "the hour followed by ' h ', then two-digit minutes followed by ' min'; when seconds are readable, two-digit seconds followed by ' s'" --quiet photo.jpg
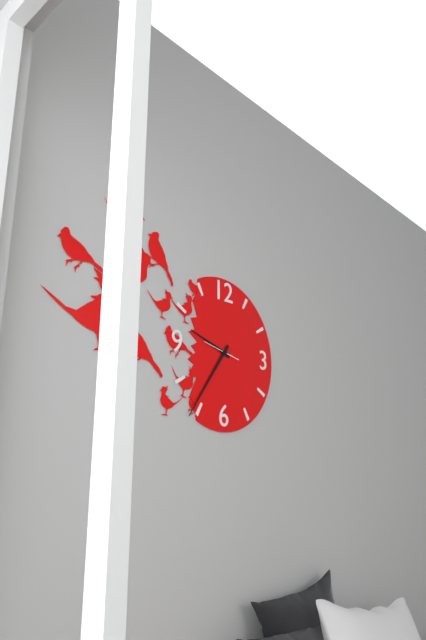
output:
9 h 36 min
